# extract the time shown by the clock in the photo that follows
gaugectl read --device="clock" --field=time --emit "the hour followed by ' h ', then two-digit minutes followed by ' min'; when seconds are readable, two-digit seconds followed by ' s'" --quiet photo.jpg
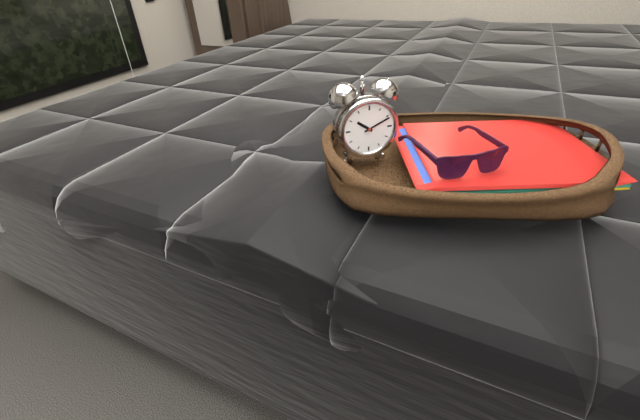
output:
10 h 11 min
